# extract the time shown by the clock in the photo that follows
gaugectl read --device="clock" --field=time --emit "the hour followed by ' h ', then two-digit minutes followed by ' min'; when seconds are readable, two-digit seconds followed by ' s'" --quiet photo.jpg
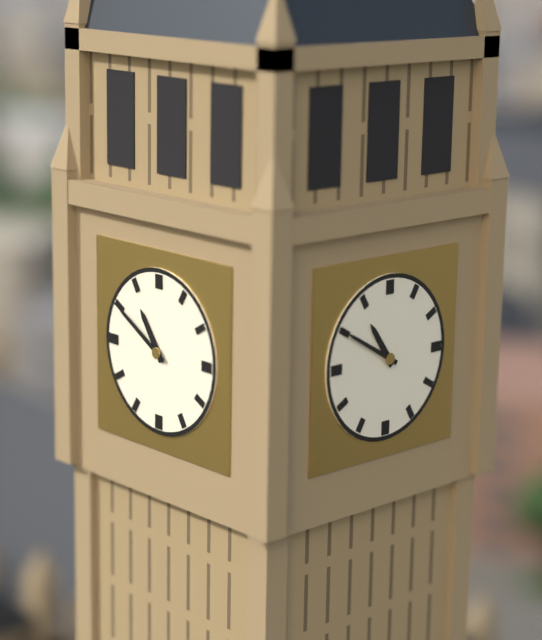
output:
10 h 50 min
